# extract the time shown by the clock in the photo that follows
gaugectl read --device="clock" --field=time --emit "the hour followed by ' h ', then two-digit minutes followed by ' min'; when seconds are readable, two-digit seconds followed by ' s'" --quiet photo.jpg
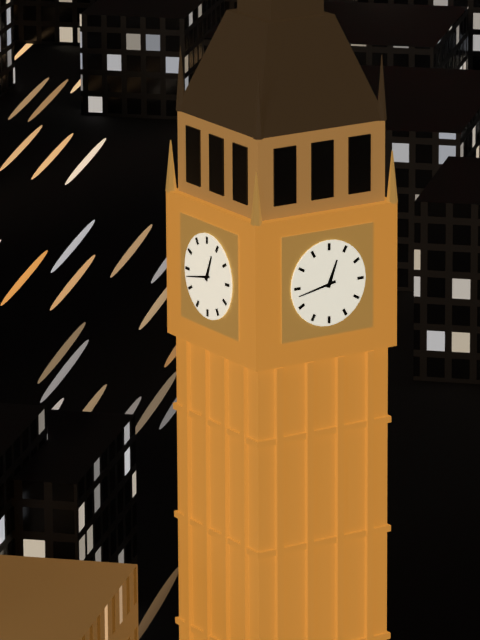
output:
12 h 43 min
